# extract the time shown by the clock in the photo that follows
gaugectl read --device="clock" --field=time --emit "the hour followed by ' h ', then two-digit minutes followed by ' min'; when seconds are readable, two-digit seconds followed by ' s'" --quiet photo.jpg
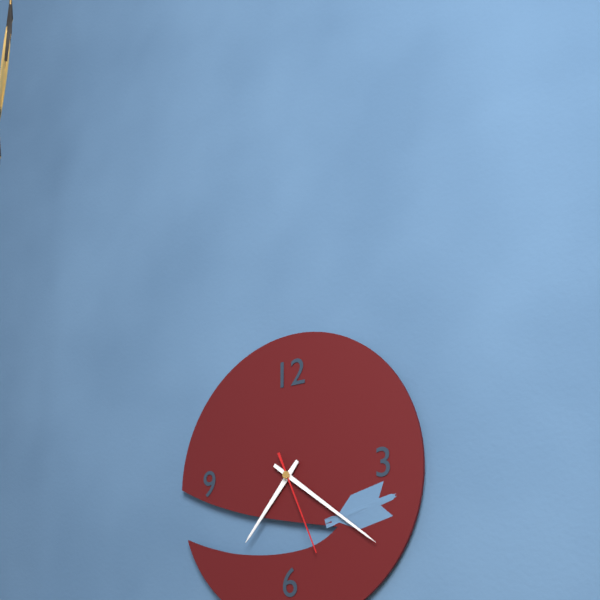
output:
7 h 21 min 26 s
